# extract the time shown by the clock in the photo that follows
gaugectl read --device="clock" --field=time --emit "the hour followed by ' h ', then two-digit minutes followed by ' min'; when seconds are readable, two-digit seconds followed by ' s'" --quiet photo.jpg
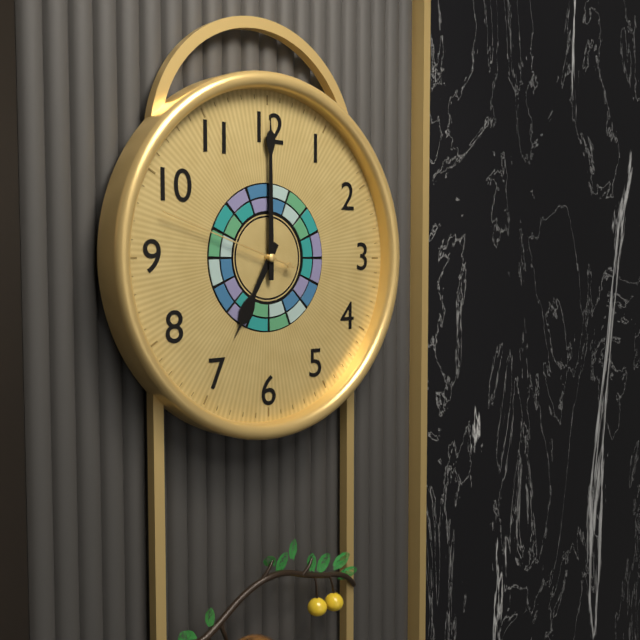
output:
7 h 00 min 48 s
